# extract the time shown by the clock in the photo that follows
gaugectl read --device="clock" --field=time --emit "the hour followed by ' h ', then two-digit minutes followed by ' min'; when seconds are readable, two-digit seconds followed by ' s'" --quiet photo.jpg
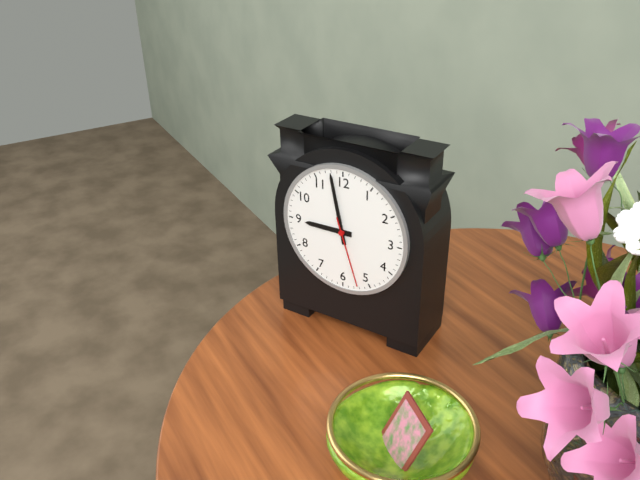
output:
8 h 58 min 27 s
